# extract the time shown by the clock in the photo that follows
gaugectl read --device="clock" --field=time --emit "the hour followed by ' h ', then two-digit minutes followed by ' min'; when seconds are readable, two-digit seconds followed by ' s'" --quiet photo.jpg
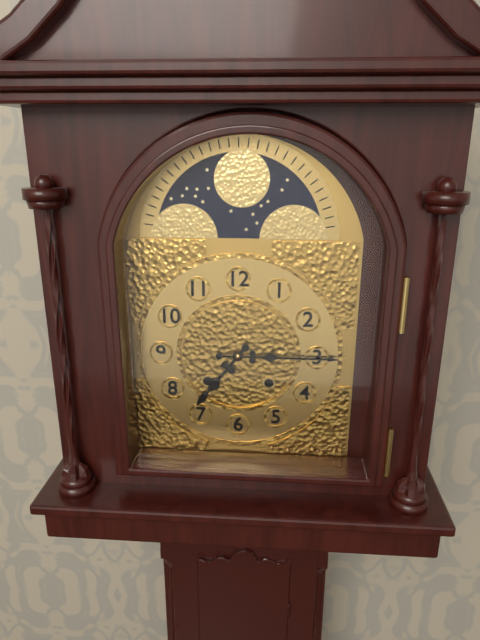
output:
7 h 15 min
